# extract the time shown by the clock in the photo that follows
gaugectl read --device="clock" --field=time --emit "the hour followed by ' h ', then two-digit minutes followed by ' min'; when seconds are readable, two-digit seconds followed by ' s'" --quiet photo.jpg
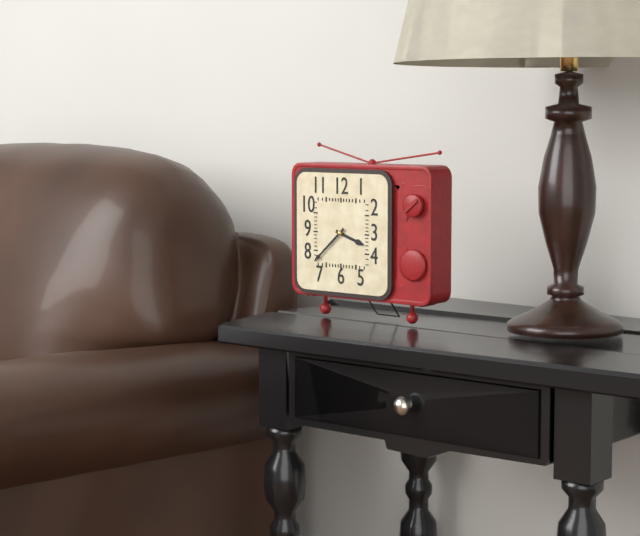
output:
3 h 38 min
